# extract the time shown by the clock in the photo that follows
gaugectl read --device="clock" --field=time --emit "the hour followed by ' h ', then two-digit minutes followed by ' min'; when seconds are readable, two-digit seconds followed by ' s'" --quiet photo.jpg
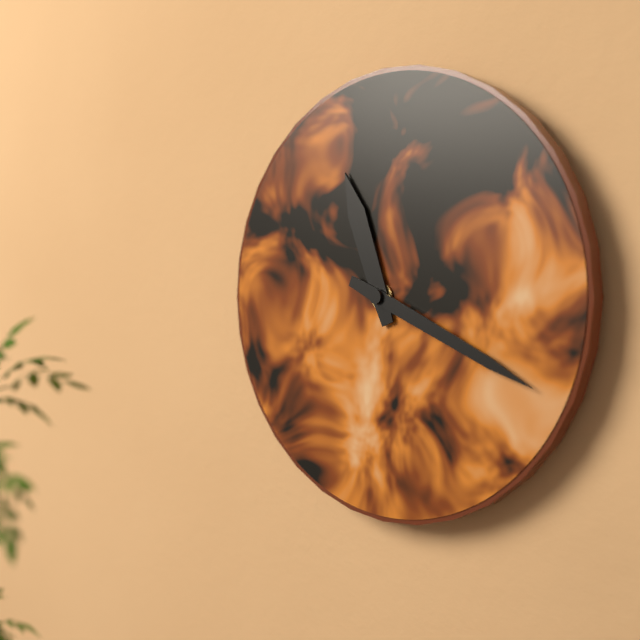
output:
11 h 19 min
